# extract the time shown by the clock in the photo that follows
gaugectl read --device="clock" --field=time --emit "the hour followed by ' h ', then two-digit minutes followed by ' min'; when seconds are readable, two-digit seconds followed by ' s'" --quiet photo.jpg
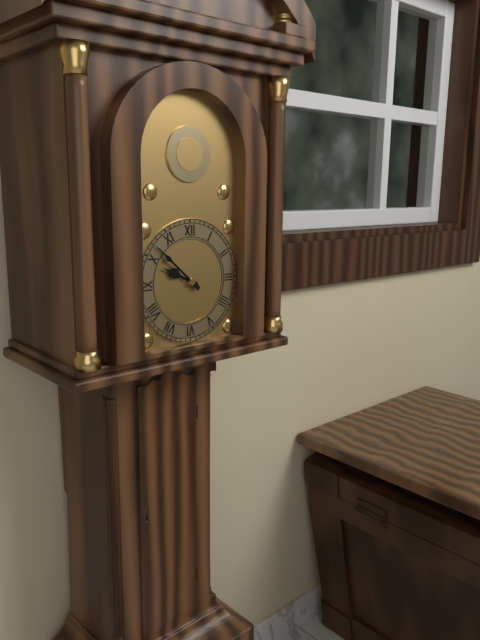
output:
9 h 52 min
